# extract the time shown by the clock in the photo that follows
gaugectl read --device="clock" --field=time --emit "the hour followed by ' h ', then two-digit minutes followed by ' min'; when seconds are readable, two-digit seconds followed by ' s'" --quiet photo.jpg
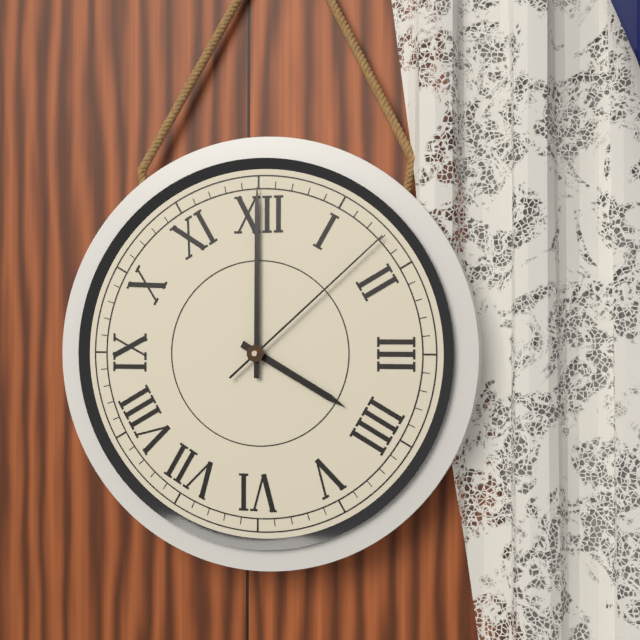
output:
4 h 00 min 08 s
